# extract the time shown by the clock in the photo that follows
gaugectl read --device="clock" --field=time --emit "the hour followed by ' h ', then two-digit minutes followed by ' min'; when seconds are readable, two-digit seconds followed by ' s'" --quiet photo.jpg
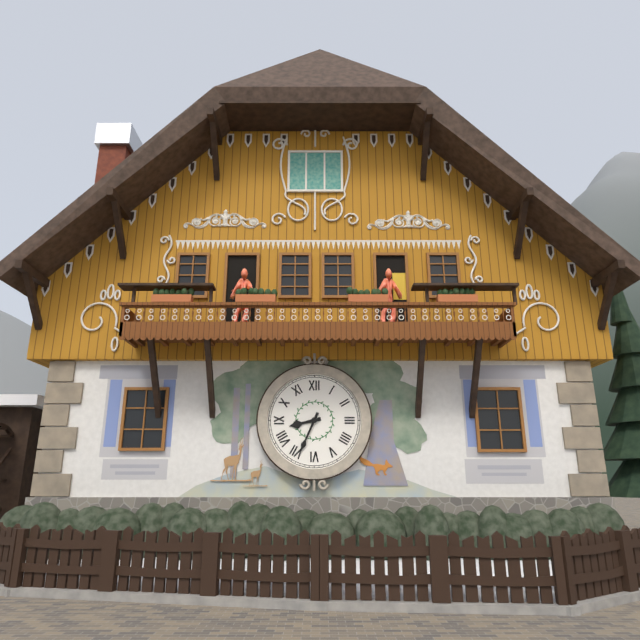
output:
8 h 34 min
